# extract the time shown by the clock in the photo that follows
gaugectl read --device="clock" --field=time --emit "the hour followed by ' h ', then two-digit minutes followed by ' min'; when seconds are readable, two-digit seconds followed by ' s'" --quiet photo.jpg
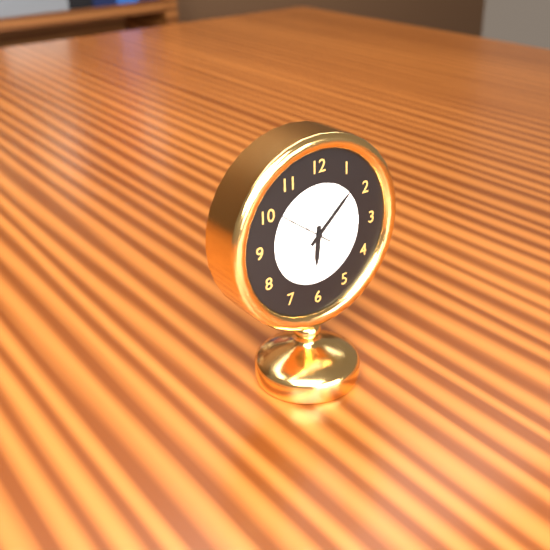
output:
6 h 08 min 51 s
